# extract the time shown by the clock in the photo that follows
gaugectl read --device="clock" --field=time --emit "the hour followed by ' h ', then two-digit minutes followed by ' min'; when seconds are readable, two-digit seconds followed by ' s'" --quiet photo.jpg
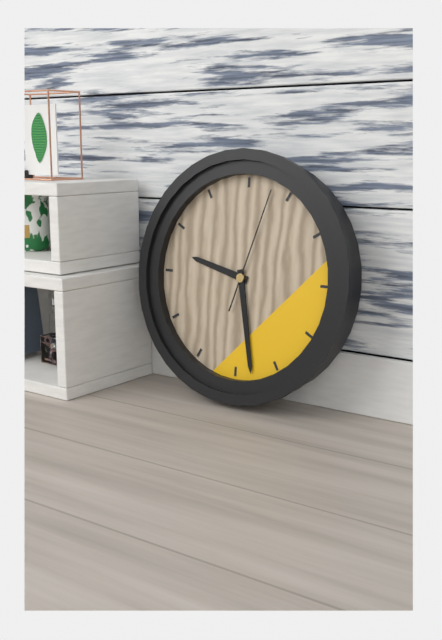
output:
9 h 28 min 03 s
